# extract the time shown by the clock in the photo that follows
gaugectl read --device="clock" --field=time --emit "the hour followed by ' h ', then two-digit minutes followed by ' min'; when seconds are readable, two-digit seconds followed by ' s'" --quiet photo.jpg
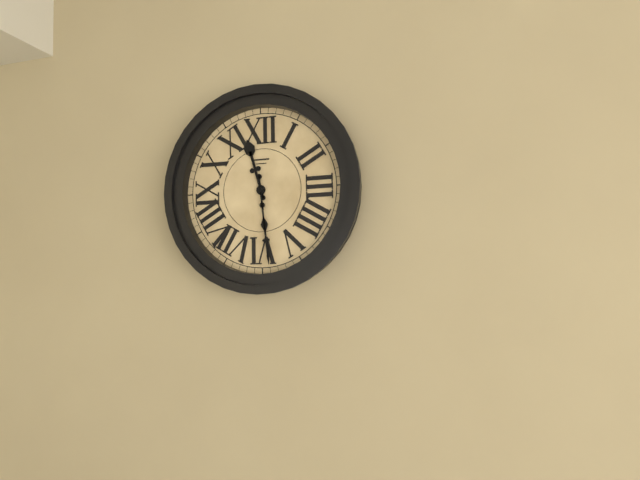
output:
11 h 29 min
